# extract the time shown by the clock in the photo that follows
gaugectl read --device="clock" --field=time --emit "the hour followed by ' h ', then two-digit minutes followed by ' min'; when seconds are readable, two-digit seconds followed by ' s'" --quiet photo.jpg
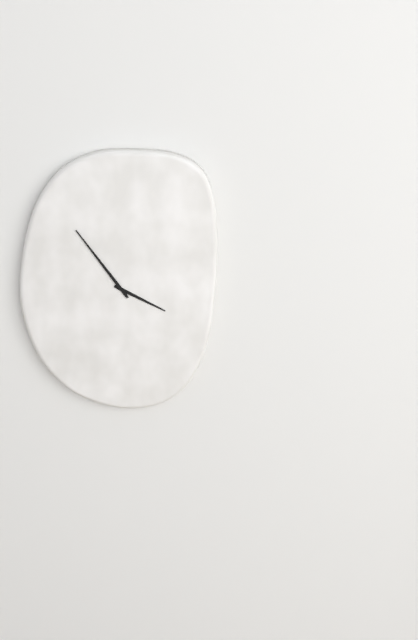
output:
3 h 54 min
